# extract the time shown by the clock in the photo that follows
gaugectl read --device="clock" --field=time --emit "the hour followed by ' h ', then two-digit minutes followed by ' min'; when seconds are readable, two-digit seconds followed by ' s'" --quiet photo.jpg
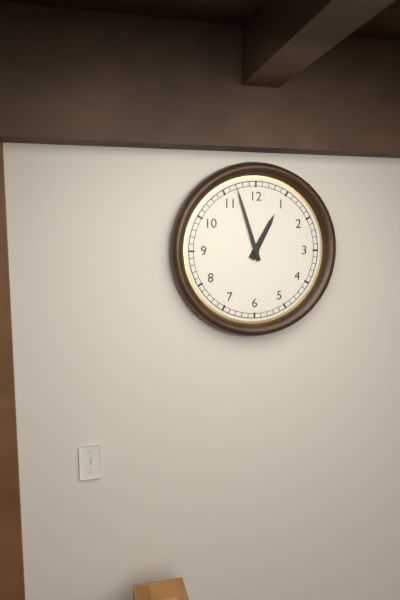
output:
12 h 57 min
